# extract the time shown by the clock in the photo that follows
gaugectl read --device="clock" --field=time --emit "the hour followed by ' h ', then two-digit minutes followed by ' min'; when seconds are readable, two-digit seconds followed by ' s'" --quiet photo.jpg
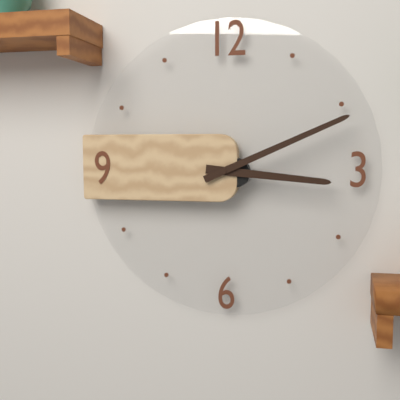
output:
3 h 11 min
